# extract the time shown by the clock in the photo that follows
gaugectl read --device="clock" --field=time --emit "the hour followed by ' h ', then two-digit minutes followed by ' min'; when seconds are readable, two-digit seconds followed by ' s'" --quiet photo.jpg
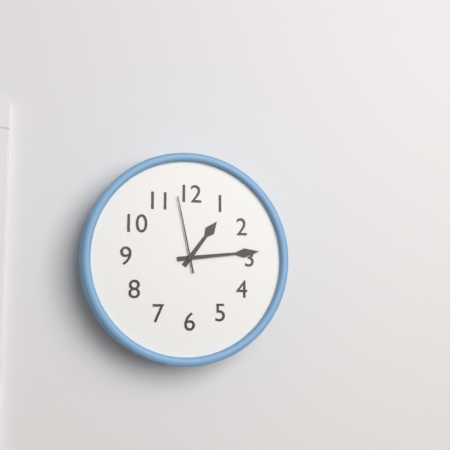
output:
1 h 14 min 58 s
